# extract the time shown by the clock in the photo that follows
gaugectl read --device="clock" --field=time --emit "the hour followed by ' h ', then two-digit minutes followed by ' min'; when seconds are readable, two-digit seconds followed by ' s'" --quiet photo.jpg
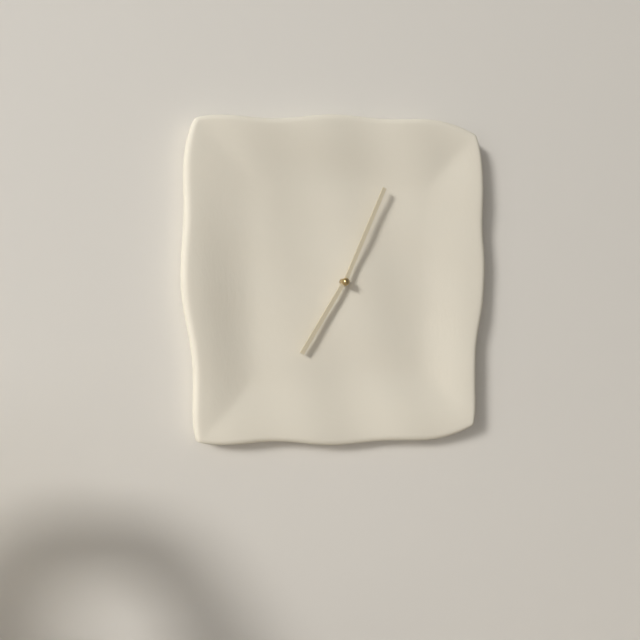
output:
7 h 04 min
